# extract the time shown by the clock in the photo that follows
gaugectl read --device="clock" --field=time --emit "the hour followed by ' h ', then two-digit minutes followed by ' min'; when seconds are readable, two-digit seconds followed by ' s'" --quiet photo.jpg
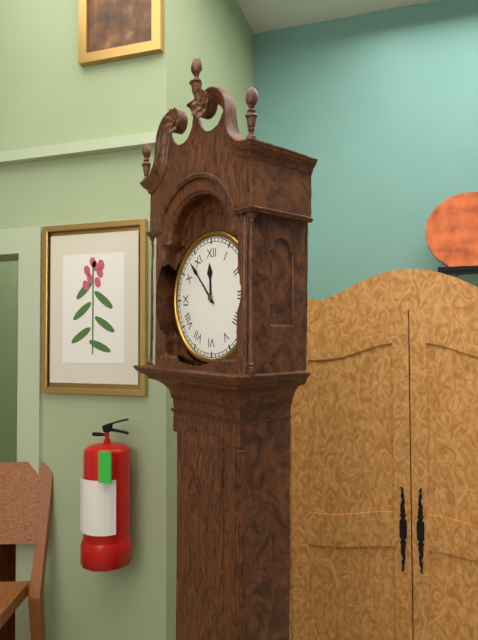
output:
11 h 53 min
